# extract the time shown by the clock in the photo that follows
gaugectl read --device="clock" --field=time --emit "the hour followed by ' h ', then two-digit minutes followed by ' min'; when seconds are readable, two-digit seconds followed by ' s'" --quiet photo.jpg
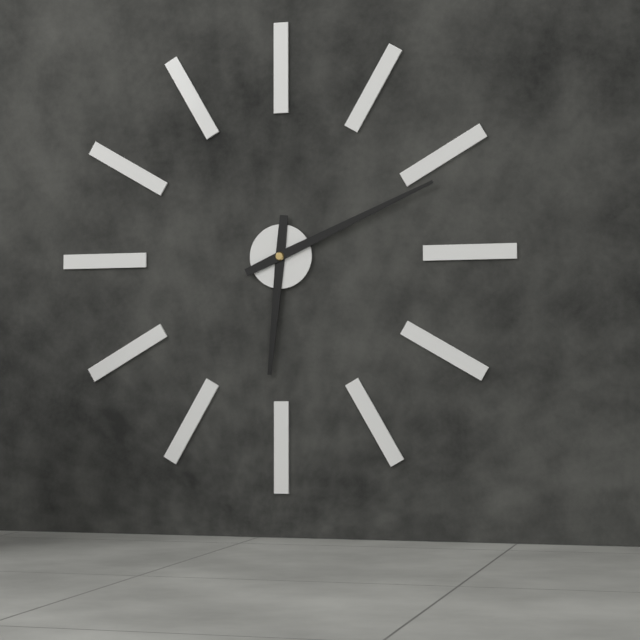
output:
6 h 11 min
